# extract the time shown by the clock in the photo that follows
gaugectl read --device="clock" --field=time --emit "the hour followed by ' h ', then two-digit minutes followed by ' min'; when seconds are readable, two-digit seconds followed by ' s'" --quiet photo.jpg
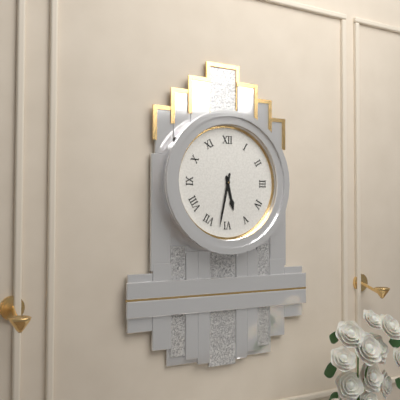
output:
5 h 32 min
